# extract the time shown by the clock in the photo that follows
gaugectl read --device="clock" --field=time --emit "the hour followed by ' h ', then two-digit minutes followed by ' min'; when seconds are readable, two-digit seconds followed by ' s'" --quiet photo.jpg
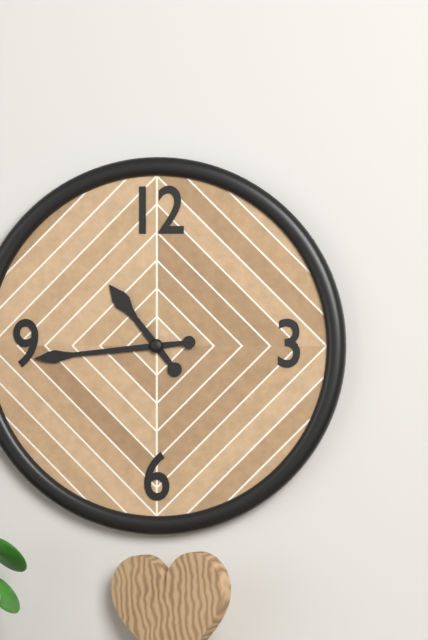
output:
10 h 44 min
